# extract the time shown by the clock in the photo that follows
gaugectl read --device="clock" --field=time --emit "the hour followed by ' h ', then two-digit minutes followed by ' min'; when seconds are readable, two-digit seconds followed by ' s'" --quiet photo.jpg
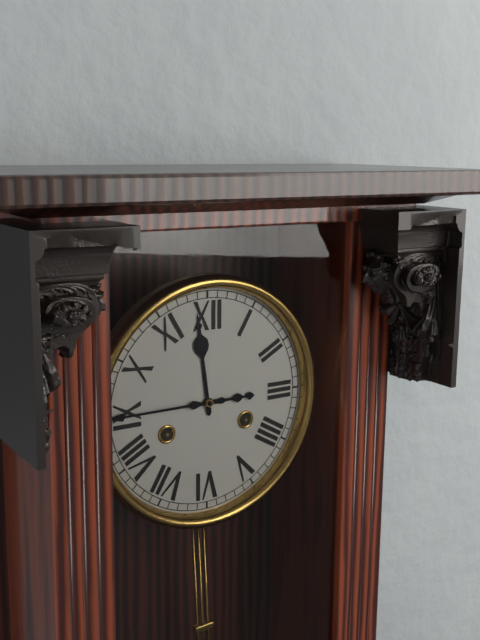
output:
11 h 45 min
